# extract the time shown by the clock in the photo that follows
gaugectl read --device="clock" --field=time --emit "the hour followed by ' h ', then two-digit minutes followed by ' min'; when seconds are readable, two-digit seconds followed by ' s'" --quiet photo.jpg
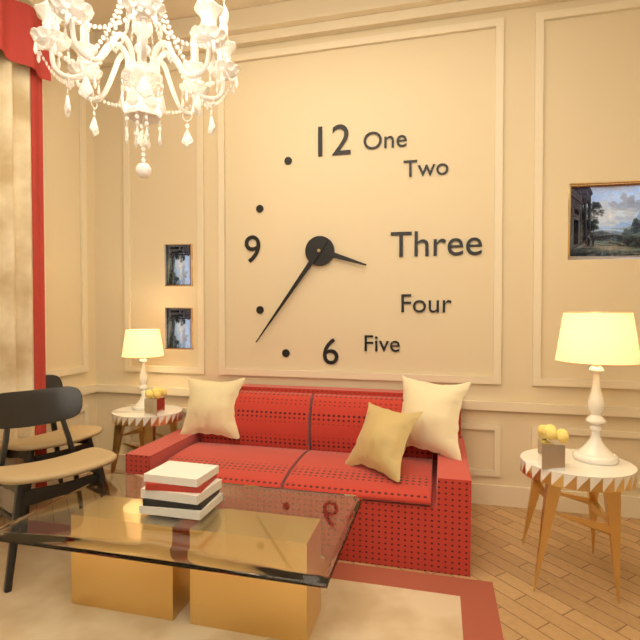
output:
3 h 36 min
